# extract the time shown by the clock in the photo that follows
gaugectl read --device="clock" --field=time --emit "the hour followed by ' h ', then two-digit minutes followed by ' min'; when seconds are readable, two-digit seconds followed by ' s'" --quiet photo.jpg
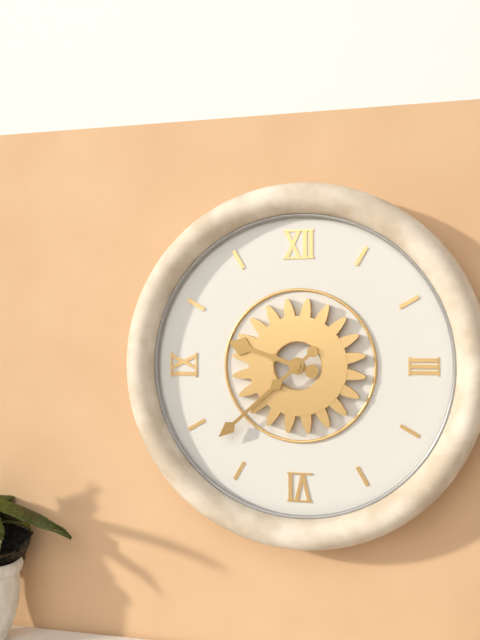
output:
9 h 38 min
